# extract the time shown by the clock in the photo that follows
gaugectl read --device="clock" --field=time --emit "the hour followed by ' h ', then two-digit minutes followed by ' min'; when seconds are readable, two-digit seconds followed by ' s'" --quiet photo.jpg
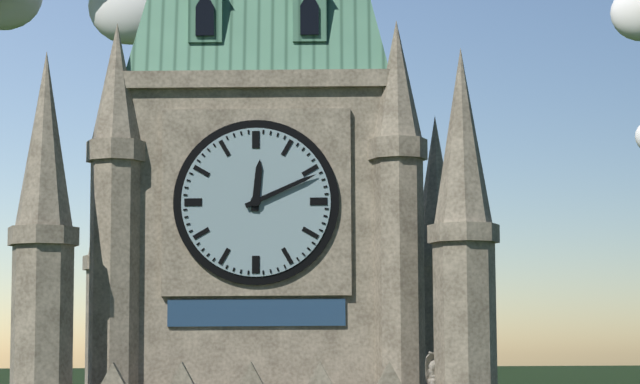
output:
12 h 11 min
